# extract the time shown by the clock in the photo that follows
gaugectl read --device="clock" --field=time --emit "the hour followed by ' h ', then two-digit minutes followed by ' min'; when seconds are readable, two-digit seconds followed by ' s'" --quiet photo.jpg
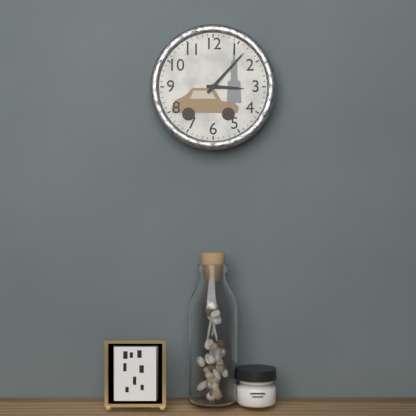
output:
3 h 07 min
